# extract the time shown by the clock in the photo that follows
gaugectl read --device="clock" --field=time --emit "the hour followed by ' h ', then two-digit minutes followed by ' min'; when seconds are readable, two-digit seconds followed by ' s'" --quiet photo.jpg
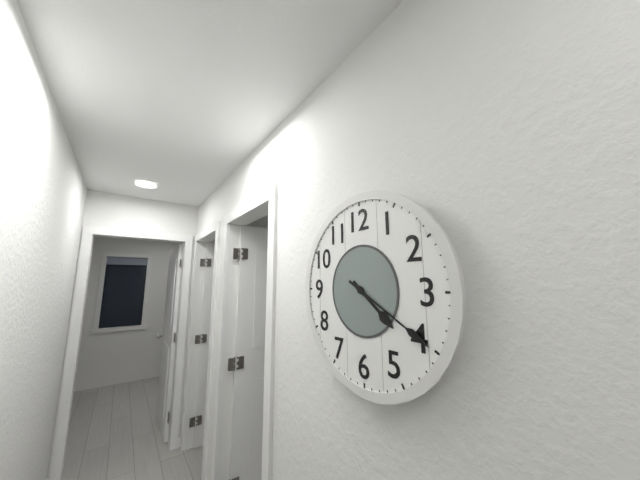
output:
4 h 20 min
